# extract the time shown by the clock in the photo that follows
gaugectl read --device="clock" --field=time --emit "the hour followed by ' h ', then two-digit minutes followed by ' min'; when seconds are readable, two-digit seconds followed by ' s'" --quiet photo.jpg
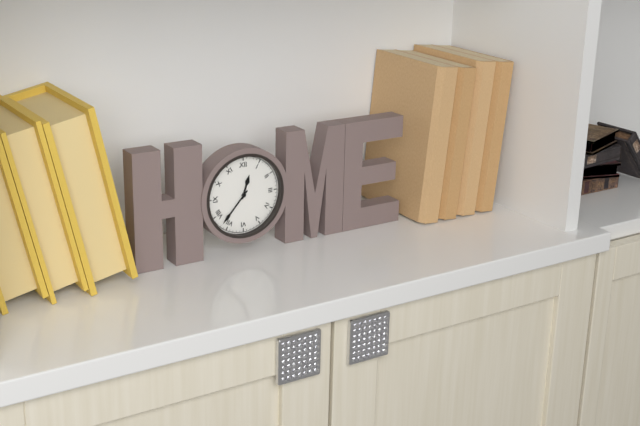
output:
12 h 37 min
